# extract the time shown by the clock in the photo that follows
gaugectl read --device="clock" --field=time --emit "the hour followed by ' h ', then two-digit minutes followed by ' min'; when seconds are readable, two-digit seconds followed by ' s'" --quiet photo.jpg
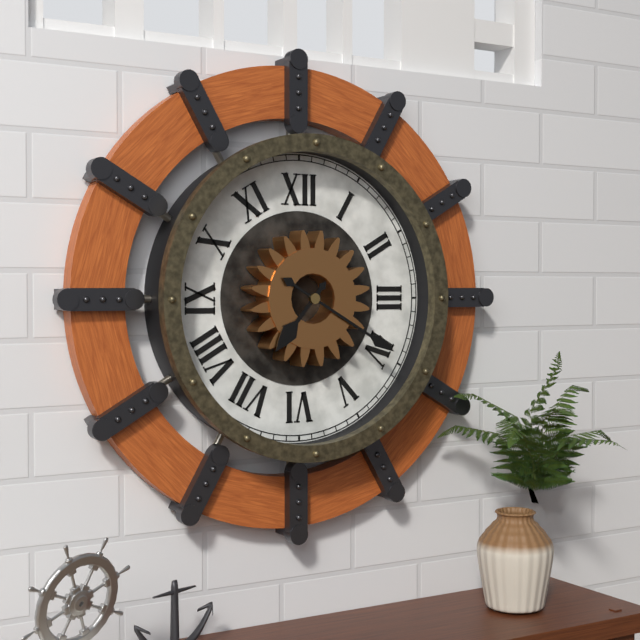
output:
7 h 20 min
